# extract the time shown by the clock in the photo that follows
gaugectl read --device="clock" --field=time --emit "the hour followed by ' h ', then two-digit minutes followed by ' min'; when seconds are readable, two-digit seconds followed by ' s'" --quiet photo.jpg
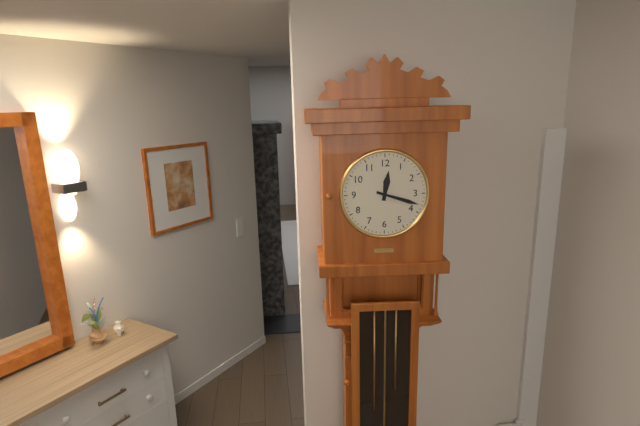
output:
12 h 18 min
